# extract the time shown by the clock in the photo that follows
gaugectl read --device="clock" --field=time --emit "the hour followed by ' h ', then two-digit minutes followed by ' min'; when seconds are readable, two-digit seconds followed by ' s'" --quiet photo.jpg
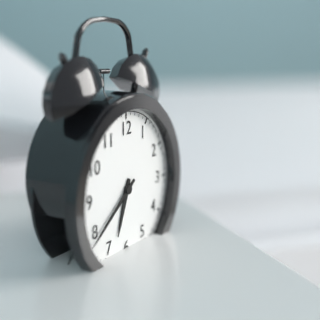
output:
6 h 39 min
